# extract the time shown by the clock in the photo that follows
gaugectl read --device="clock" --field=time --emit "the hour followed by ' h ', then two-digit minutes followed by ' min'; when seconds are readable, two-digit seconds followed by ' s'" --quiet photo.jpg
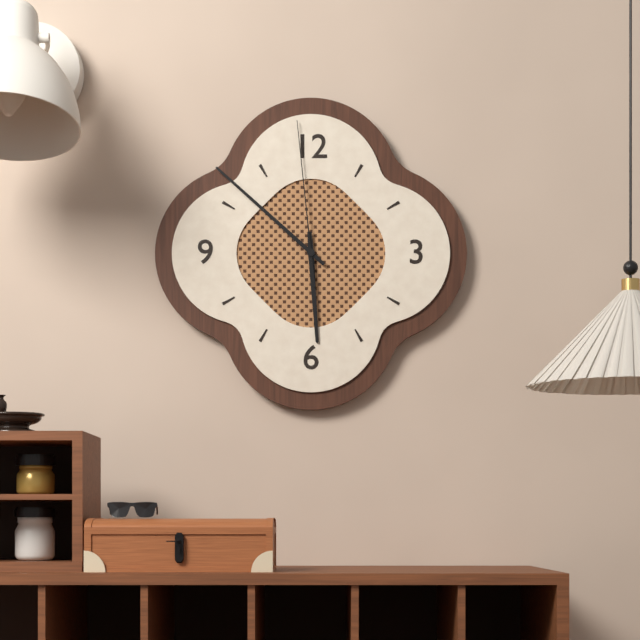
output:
5 h 52 min 59 s
